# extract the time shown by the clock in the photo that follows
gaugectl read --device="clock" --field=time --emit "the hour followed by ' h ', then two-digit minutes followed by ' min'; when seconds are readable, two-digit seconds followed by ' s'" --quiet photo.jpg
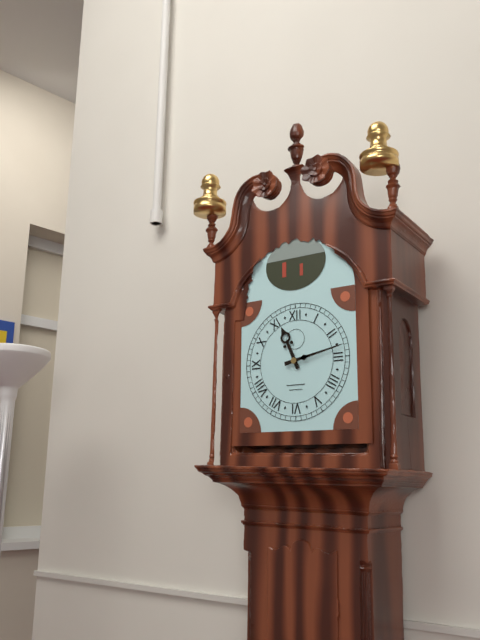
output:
11 h 13 min
